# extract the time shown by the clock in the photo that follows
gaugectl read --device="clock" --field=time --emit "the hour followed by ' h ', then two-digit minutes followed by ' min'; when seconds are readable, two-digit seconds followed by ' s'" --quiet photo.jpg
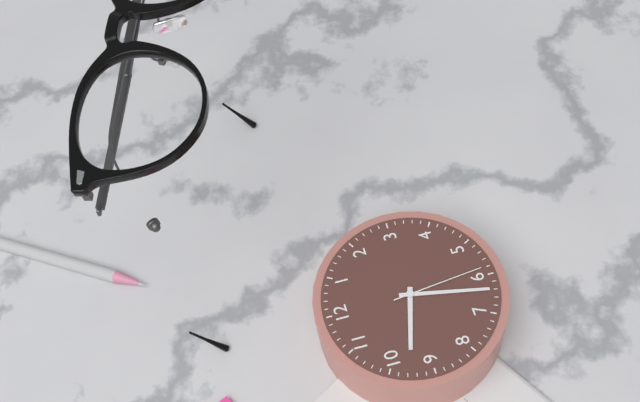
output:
9 h 32 min 29 s
